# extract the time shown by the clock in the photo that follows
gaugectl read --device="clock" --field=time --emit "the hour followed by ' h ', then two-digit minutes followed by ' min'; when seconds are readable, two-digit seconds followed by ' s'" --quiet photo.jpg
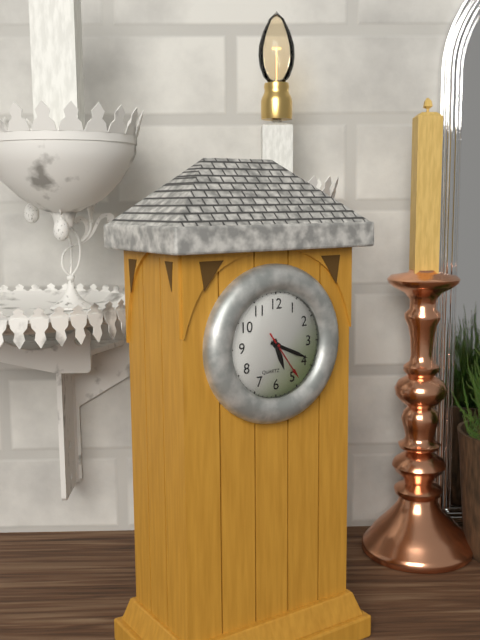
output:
5 h 19 min
